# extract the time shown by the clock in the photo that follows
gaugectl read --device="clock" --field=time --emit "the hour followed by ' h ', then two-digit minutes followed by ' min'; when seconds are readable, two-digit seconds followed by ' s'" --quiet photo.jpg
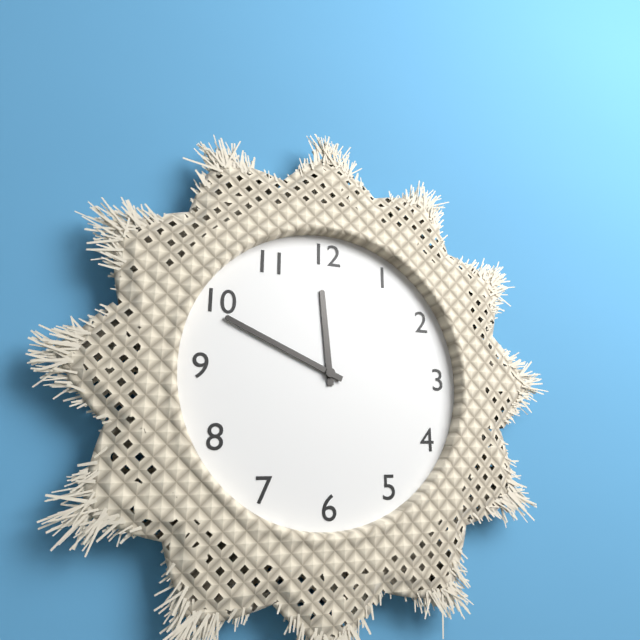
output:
11 h 49 min
